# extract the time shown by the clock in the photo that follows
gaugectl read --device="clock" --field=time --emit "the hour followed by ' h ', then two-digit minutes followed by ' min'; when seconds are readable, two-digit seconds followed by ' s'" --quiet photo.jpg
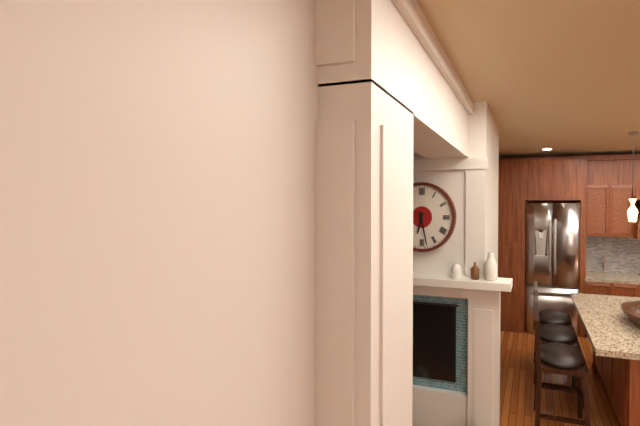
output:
6 h 28 min
